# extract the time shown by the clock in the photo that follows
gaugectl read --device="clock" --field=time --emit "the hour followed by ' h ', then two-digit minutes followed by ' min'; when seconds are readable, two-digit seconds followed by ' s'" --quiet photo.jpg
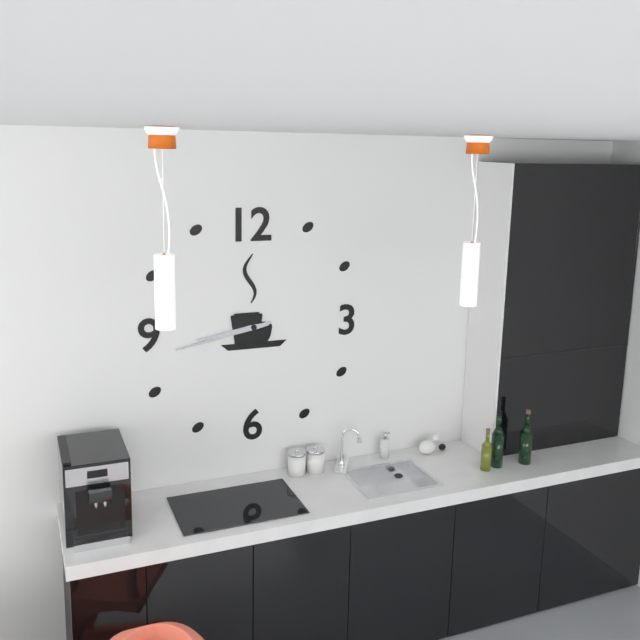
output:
8 h 43 min
